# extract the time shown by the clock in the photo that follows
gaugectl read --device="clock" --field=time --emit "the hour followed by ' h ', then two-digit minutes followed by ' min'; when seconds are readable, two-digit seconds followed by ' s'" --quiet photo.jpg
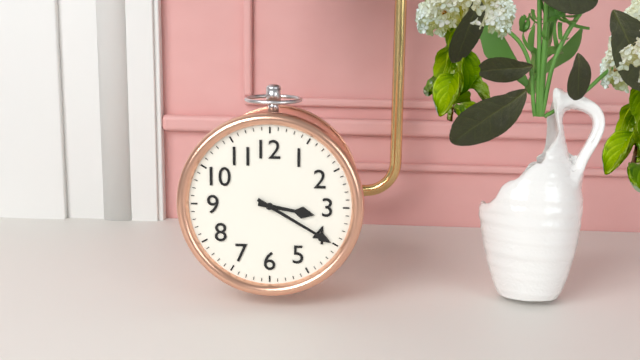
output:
3 h 20 min
